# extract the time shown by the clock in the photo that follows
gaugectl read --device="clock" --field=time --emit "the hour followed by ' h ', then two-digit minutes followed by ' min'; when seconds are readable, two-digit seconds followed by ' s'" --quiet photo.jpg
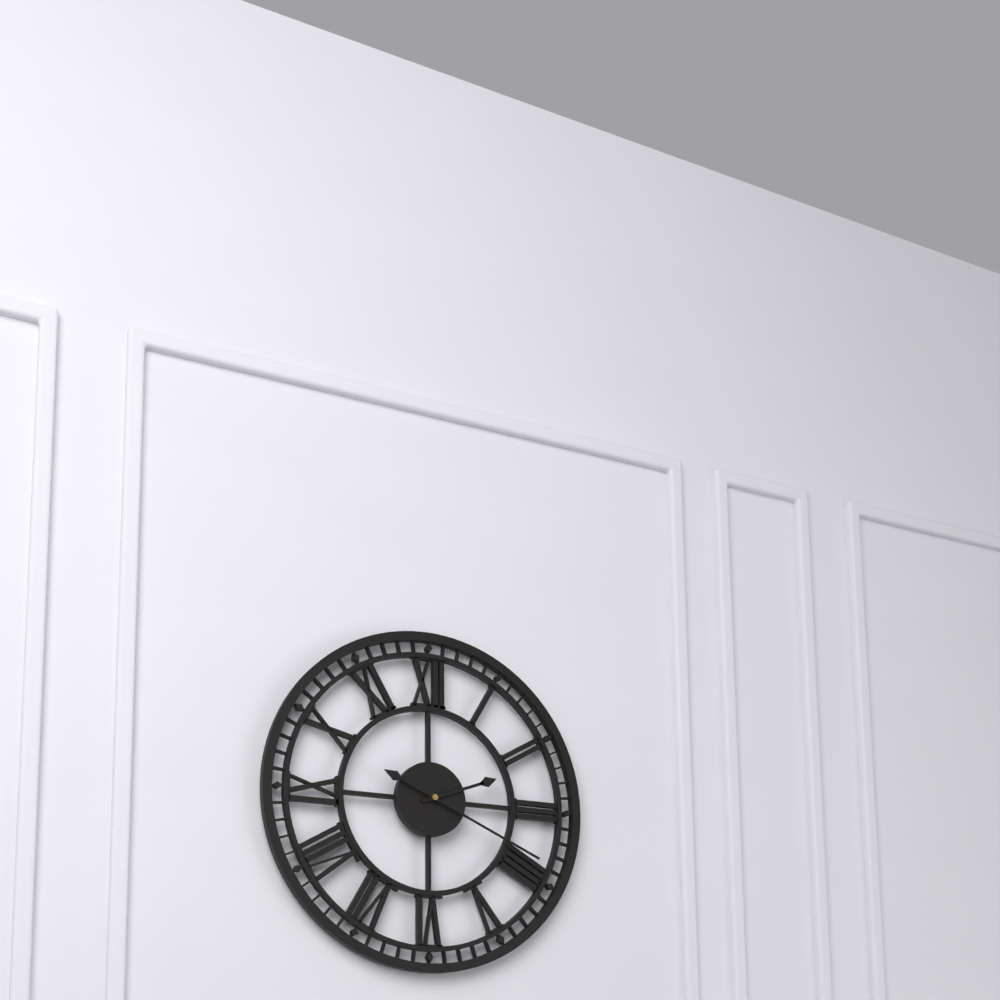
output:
2 h 19 min
